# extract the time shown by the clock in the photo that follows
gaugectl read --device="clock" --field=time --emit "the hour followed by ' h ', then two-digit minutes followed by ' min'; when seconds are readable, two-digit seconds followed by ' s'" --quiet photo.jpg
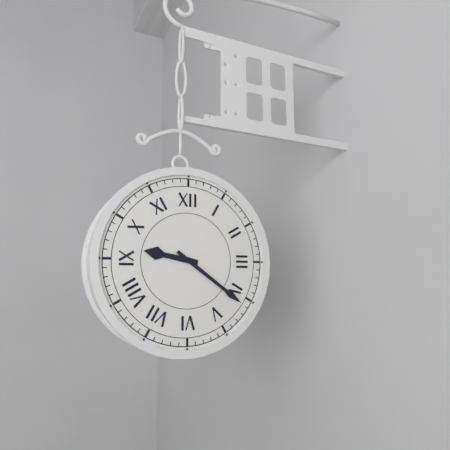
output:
9 h 21 min
